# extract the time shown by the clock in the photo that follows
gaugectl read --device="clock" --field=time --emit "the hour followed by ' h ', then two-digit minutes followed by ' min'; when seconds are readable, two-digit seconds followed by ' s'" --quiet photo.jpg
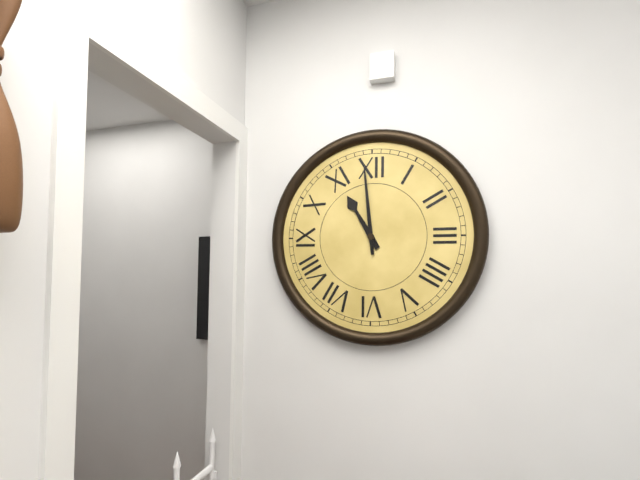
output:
10 h 59 min
